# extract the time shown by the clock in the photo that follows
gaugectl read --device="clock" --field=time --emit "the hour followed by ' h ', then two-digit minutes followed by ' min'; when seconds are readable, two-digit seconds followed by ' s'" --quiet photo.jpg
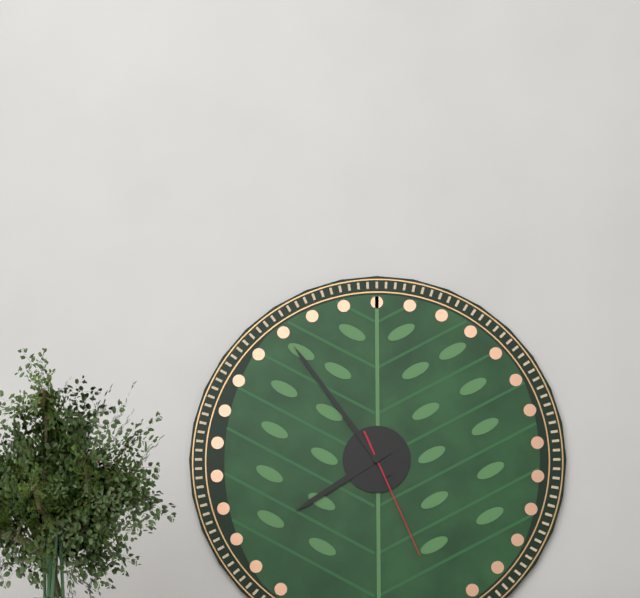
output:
7 h 54 min 26 s
